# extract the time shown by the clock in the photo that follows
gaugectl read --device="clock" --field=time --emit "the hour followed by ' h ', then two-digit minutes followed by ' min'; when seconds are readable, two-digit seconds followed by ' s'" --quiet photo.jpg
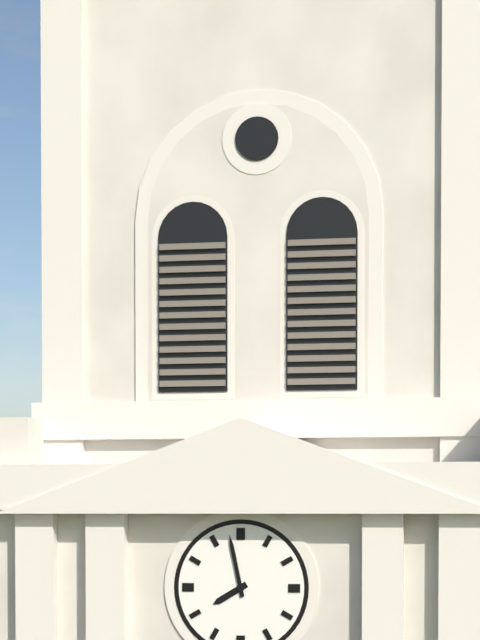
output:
7 h 58 min
